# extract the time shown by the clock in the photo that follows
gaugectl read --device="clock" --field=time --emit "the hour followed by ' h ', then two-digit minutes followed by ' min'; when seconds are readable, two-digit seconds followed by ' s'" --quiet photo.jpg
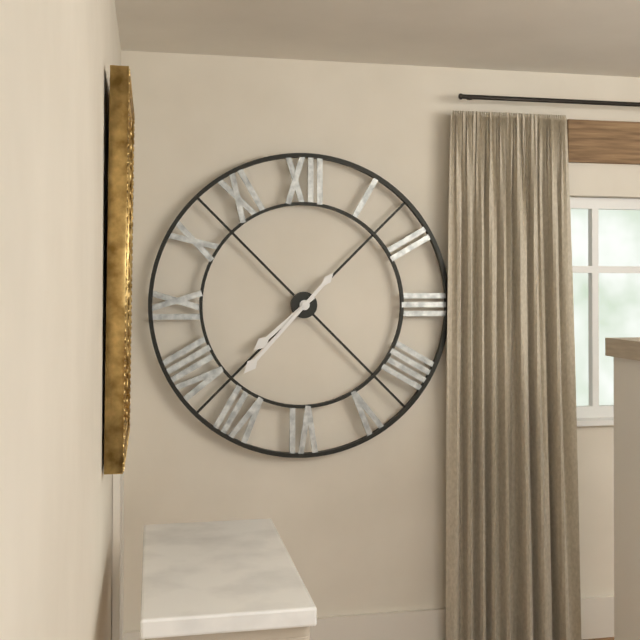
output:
7 h 37 min
